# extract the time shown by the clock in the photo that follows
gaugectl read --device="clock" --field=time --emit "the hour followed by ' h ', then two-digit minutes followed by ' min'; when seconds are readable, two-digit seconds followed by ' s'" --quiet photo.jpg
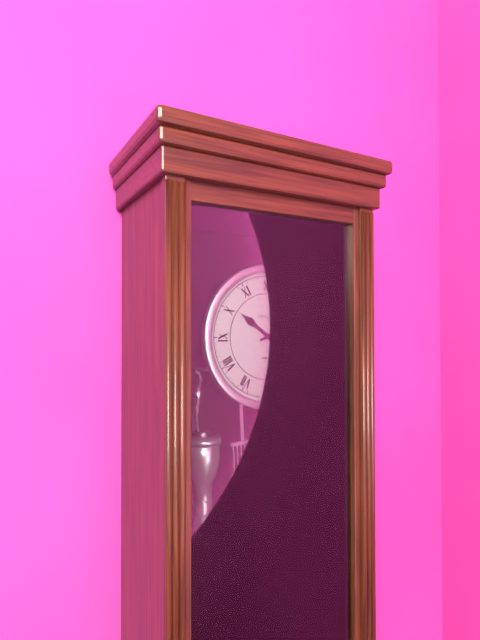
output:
10 h 12 min
